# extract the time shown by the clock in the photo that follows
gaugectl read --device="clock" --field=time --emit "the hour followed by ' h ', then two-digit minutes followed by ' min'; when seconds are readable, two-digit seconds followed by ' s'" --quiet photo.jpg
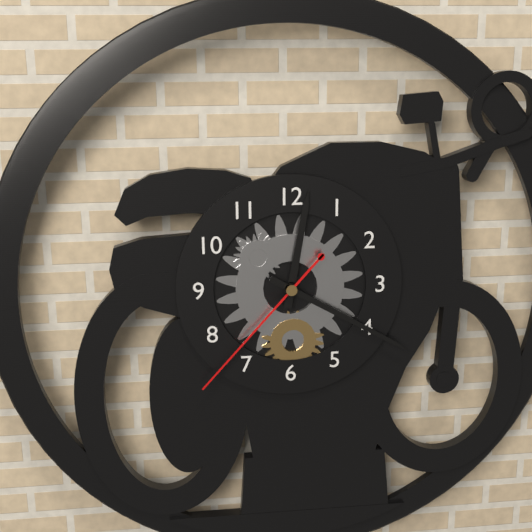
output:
12 h 20 min 37 s
